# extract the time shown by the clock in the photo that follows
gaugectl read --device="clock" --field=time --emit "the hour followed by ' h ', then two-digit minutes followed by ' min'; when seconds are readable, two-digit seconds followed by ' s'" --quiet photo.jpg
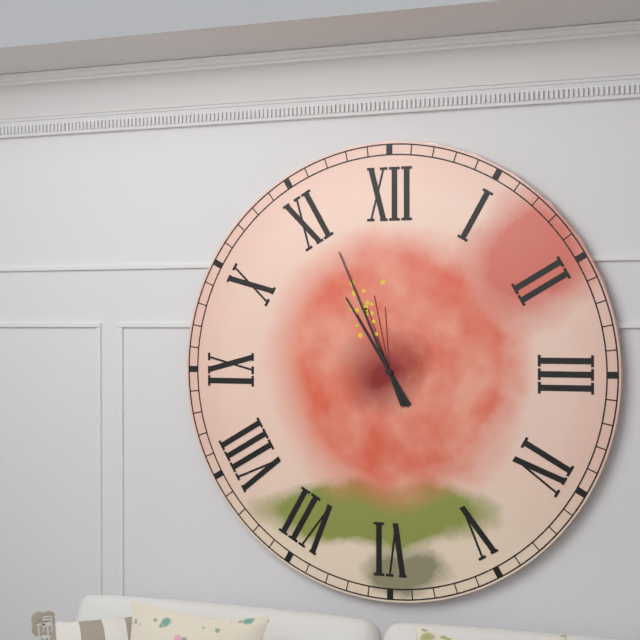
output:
10 h 56 min
